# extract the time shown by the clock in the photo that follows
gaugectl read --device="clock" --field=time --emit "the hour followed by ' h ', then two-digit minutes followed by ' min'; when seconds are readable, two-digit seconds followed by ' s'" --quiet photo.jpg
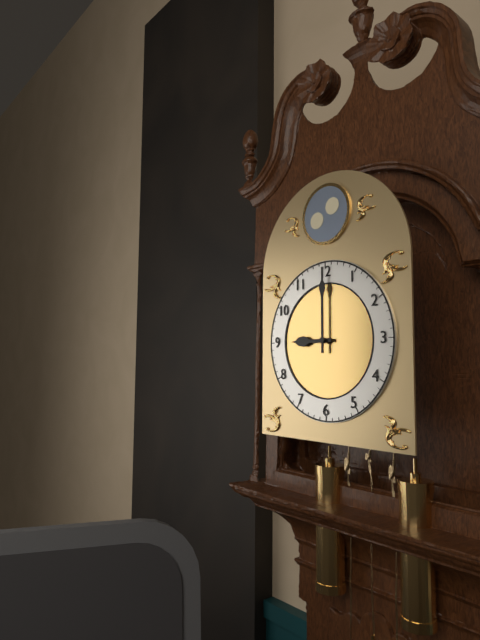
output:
9 h 00 min
